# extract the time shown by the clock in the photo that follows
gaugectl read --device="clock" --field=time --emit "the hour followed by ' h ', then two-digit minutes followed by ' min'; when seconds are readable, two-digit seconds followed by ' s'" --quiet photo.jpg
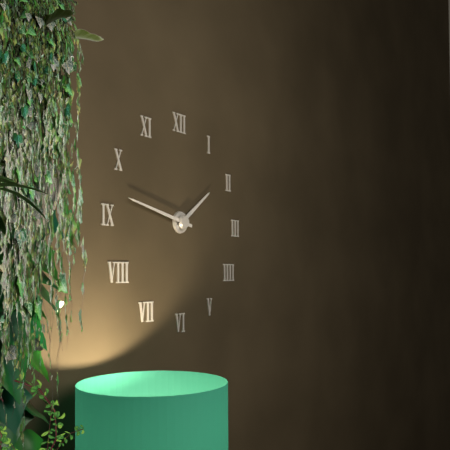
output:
1 h 47 min
